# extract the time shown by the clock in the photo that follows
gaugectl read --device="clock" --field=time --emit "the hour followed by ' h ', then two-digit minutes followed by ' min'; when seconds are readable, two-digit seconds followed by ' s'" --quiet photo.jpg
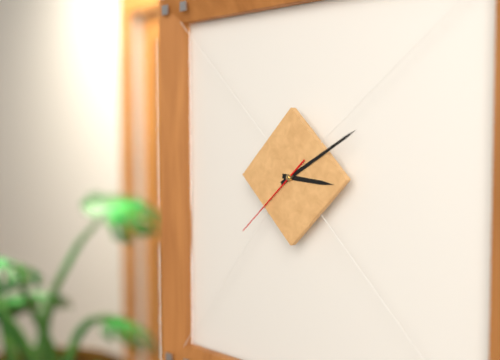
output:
3 h 10 min 38 s
